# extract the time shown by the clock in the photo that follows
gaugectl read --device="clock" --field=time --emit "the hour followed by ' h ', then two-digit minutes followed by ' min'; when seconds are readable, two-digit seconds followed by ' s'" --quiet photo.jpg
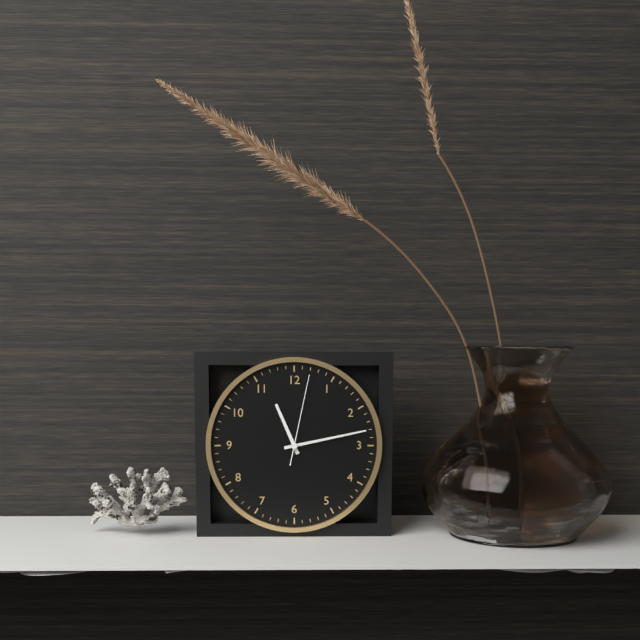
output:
11 h 13 min 02 s
